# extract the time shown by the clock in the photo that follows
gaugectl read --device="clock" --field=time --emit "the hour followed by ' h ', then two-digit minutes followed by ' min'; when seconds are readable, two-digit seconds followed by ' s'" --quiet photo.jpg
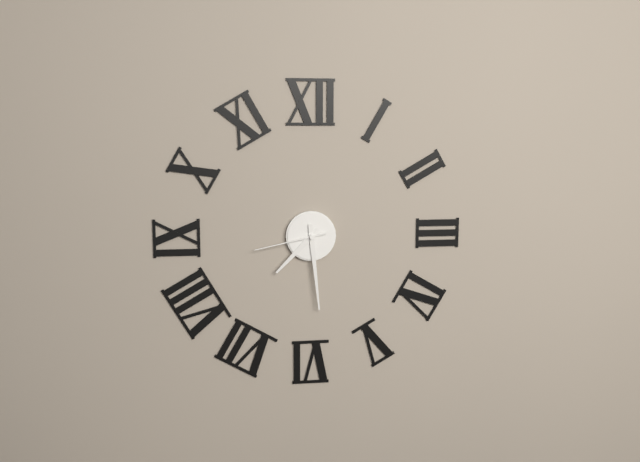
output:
7 h 29 min 43 s
